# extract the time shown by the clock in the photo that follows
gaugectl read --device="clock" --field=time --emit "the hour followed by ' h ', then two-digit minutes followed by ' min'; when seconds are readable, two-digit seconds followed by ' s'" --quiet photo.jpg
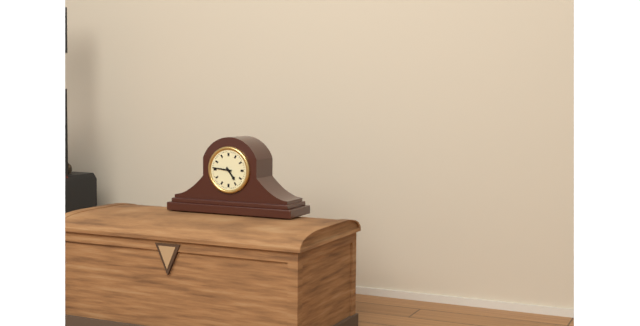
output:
4 h 46 min
